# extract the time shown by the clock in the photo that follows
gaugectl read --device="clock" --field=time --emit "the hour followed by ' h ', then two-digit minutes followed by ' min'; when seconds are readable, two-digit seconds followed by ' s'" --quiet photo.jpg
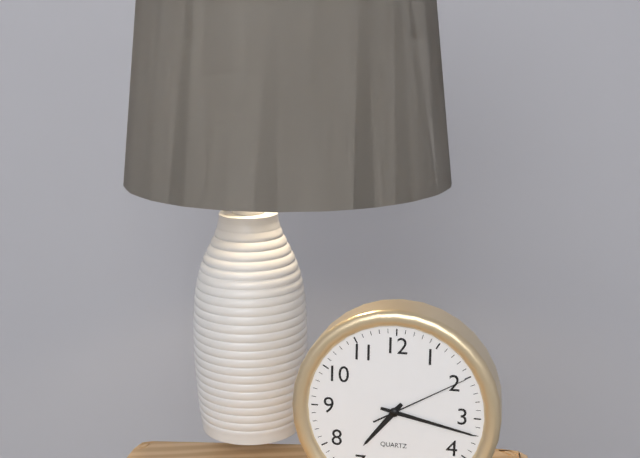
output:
7 h 17 min 10 s
